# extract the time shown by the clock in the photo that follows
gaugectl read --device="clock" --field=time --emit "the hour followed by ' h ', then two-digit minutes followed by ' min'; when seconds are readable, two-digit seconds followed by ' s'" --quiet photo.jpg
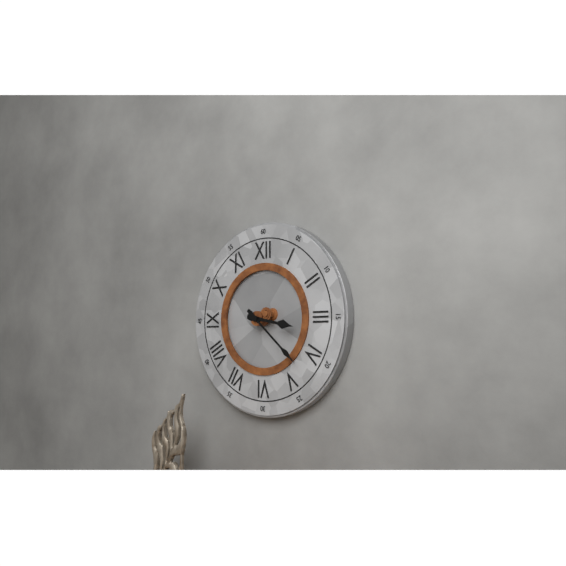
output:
3 h 22 min
